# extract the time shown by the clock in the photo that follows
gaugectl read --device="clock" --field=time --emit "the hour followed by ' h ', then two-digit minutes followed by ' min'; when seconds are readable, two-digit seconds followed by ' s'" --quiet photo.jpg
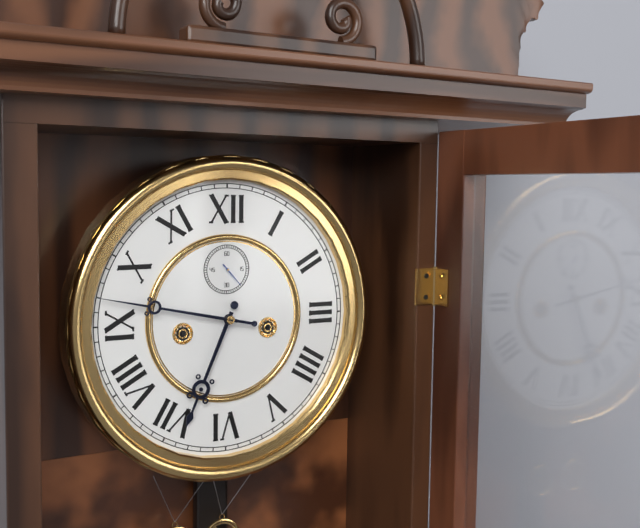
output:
6 h 47 min
